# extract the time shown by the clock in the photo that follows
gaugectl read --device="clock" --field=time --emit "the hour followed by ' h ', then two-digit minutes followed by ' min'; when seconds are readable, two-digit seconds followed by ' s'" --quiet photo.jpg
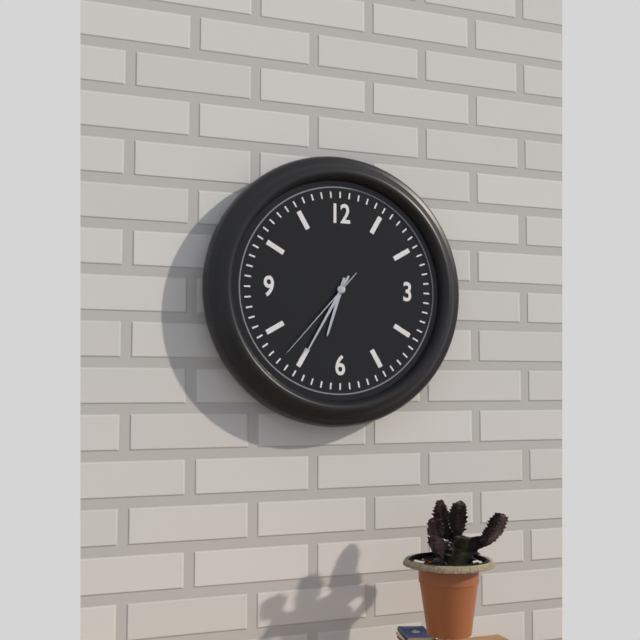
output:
6 h 35 min 37 s
